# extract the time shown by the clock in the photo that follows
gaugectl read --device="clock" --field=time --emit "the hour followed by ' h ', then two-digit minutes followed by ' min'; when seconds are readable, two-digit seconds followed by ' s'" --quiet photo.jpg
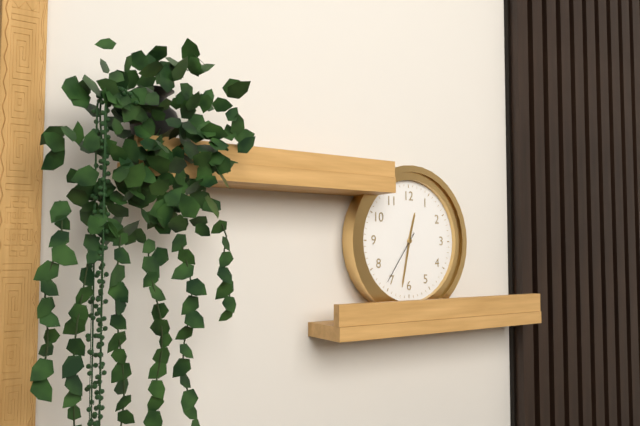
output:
12 h 32 min 36 s
